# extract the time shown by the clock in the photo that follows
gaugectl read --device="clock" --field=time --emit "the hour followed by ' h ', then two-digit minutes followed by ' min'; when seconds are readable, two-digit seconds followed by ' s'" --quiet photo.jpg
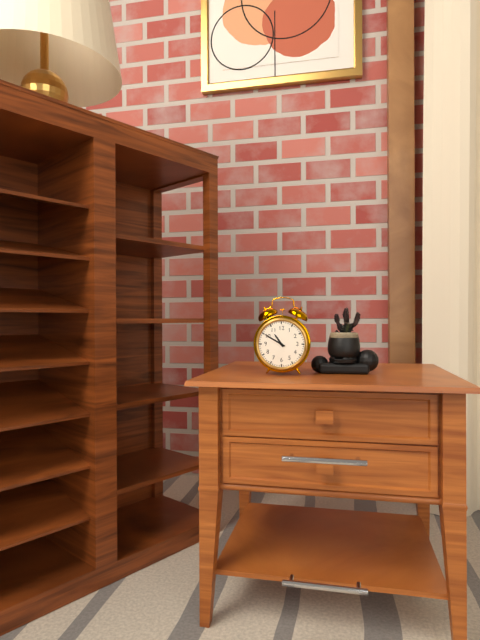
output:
10 h 50 min
